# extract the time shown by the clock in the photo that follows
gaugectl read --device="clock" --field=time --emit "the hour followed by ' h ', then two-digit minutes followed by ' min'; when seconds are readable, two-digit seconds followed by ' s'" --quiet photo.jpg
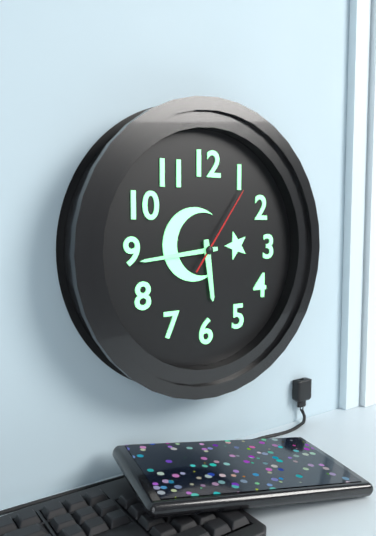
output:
5 h 44 min 06 s
